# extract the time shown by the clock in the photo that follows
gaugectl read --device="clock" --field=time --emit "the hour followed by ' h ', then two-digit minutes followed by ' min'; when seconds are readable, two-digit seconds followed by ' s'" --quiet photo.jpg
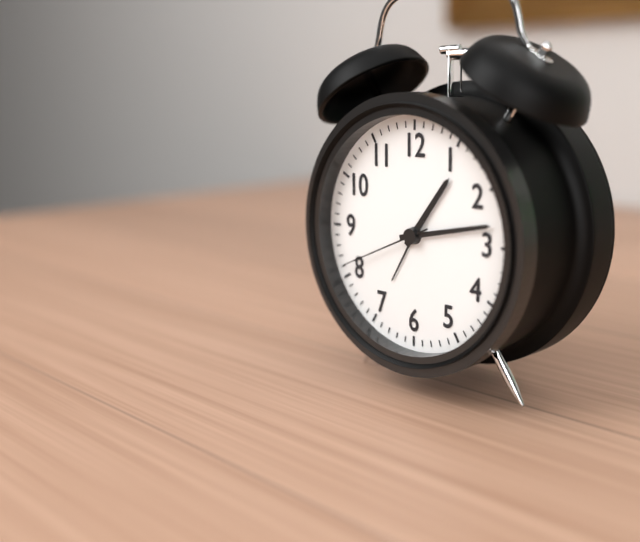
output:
1 h 13 min 41 s
